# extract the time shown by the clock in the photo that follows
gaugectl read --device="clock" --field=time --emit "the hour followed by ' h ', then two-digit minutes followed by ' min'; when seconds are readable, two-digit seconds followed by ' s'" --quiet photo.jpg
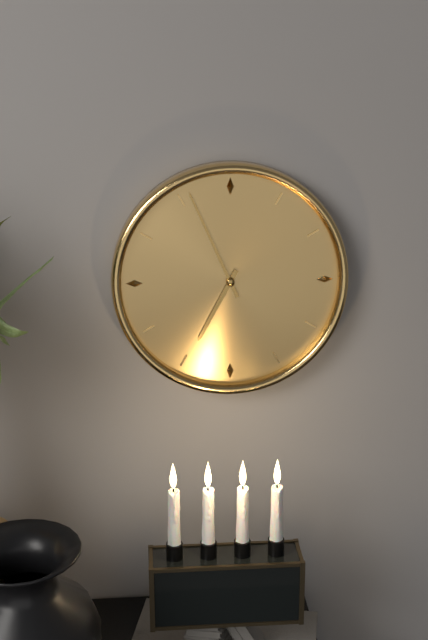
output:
6 h 56 min
